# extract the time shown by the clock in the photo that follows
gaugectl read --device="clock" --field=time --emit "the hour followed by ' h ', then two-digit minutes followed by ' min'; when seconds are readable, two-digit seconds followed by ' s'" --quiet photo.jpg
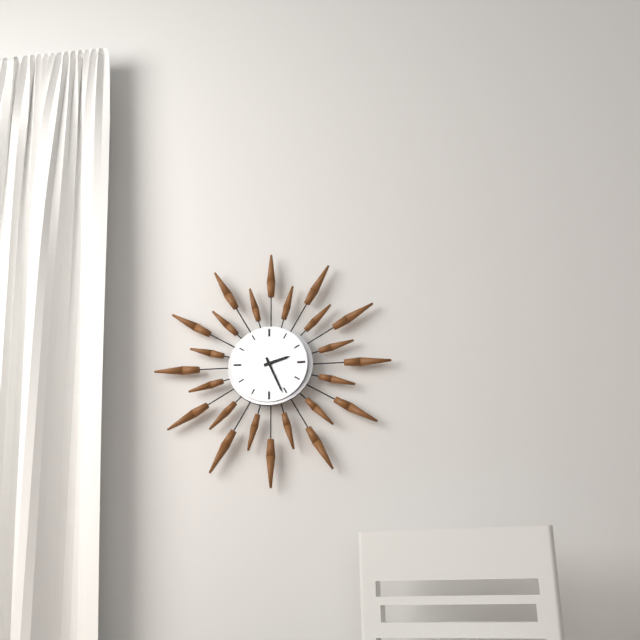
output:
2 h 26 min
